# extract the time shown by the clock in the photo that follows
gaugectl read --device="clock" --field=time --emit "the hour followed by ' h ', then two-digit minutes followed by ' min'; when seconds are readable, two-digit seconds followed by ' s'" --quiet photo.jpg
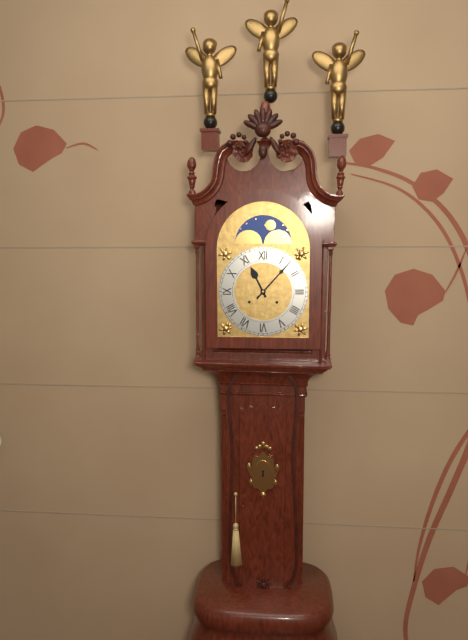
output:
11 h 07 min
